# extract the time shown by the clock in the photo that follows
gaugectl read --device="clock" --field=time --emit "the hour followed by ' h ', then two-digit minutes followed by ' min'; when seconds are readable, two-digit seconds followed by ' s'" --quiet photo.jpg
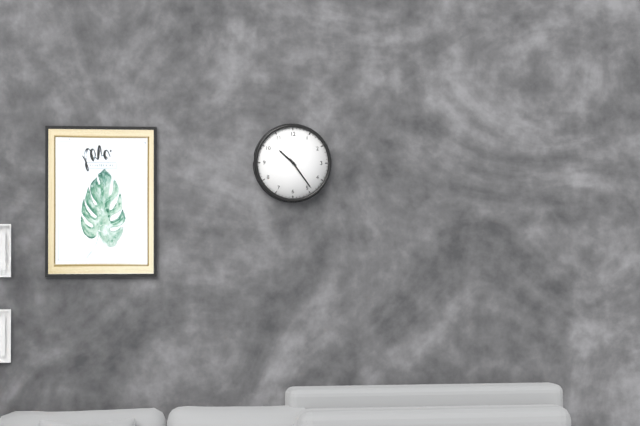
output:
10 h 24 min
